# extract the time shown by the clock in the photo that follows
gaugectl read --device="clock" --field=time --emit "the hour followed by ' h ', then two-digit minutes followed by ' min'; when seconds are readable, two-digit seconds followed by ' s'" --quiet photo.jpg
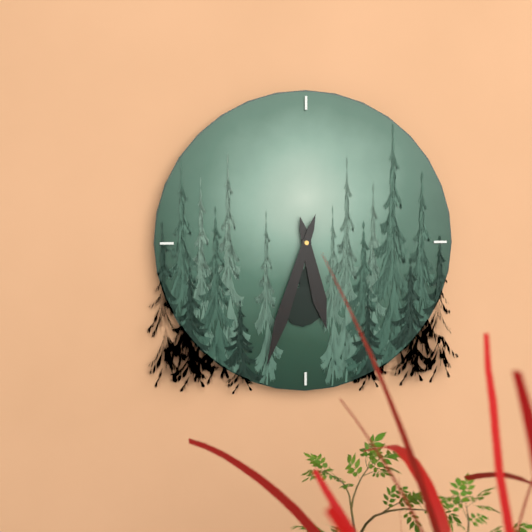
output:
5 h 33 min
